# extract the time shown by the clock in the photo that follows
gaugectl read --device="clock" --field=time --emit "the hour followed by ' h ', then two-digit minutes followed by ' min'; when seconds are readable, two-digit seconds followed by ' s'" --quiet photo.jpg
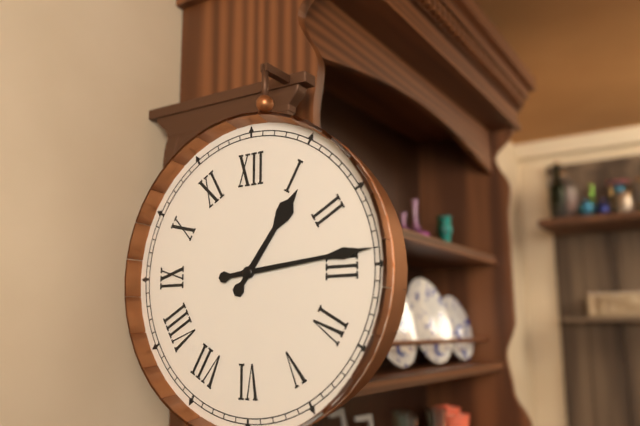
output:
1 h 14 min
